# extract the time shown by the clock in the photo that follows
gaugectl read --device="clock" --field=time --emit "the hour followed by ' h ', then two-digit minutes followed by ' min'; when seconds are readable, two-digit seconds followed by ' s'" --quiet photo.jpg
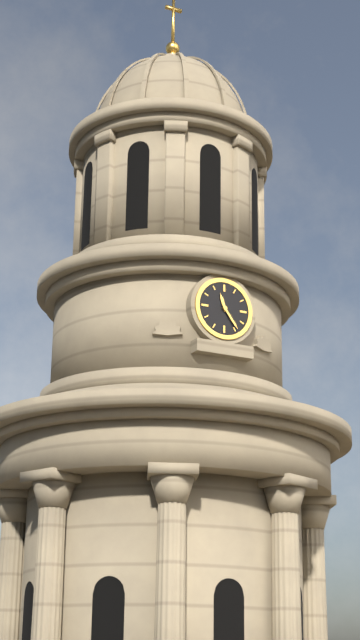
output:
11 h 24 min
